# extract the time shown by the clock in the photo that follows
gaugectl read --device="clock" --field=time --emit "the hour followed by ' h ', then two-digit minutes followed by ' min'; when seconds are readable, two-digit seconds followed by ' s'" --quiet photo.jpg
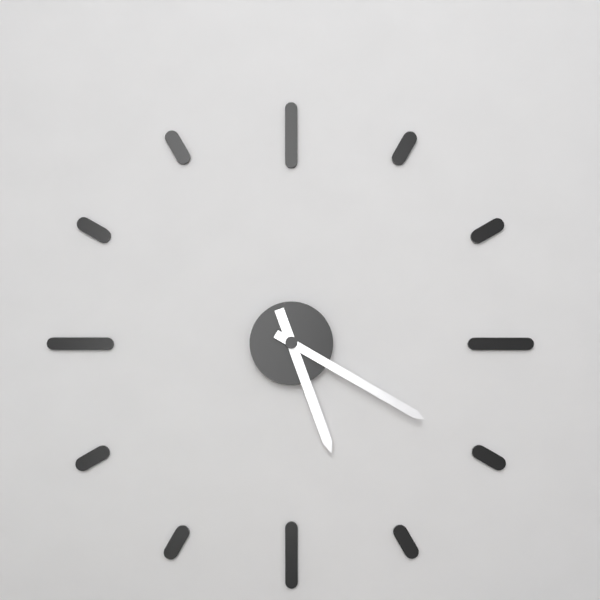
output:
5 h 20 min
